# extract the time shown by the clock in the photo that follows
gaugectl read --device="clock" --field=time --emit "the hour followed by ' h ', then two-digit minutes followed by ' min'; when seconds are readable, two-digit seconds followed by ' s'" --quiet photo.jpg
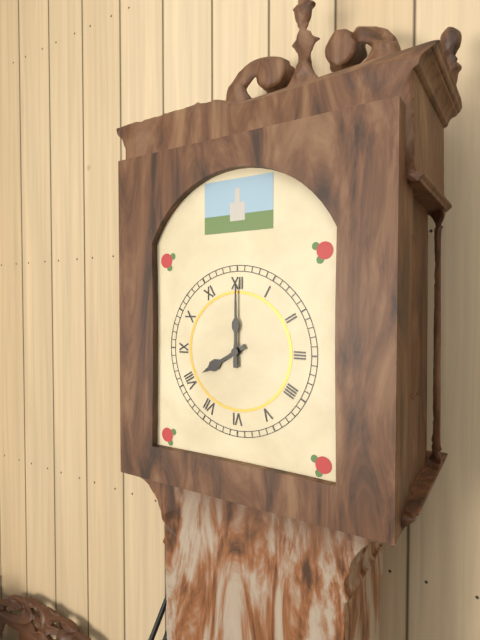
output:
8 h 00 min
